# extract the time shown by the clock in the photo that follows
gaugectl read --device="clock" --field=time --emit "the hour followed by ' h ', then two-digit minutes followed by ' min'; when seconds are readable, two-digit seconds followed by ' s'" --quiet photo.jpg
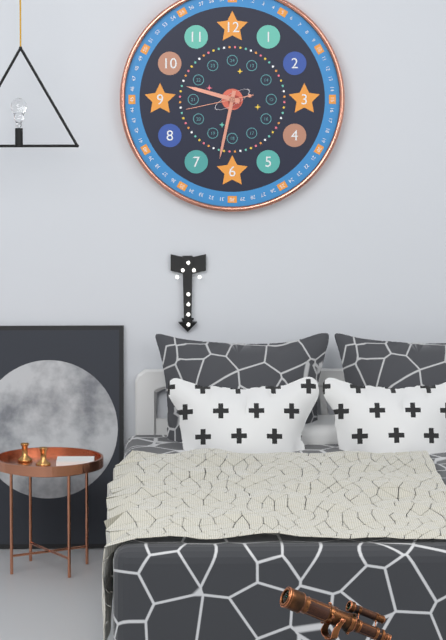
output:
9 h 32 min 43 s
